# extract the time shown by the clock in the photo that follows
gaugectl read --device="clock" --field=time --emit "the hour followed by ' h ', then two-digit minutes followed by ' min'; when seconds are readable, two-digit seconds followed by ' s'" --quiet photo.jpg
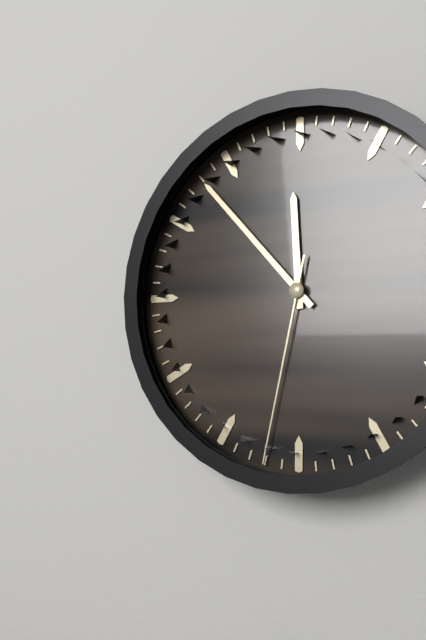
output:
11 h 53 min 32 s
